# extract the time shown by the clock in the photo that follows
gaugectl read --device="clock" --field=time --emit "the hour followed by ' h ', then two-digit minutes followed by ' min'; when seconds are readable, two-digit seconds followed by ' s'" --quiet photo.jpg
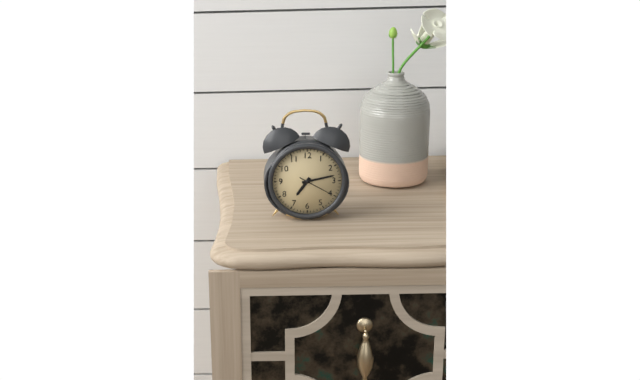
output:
7 h 13 min
